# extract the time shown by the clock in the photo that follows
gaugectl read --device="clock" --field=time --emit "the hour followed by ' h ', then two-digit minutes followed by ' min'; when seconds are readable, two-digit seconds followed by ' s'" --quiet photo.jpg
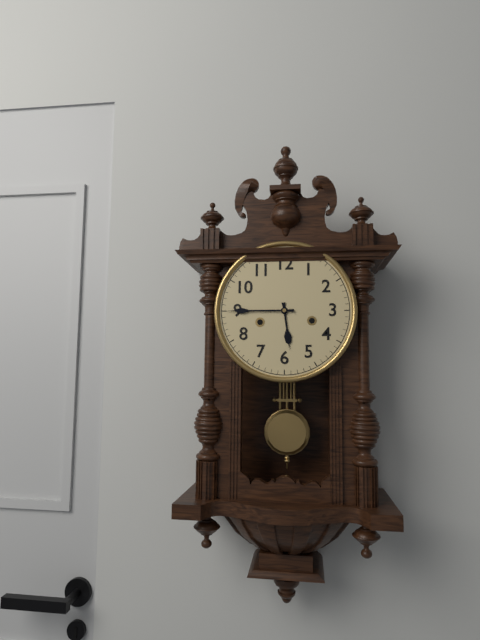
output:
5 h 45 min
